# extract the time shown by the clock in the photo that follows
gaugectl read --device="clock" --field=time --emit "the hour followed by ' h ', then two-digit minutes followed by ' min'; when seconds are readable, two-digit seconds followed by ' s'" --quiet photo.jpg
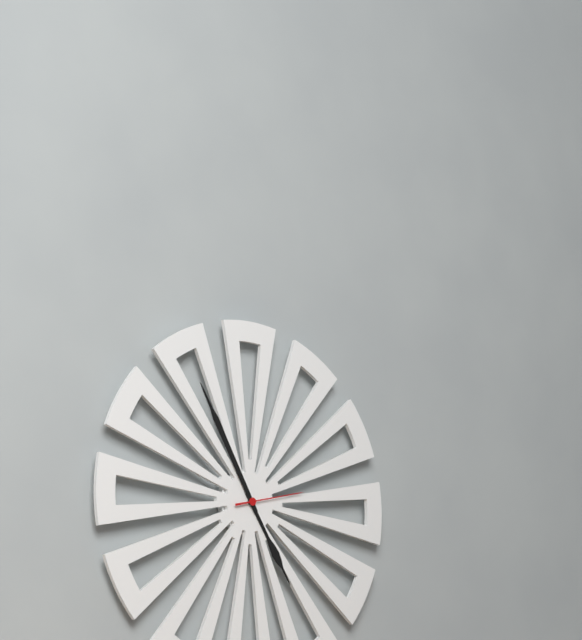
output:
4 h 55 min 13 s
